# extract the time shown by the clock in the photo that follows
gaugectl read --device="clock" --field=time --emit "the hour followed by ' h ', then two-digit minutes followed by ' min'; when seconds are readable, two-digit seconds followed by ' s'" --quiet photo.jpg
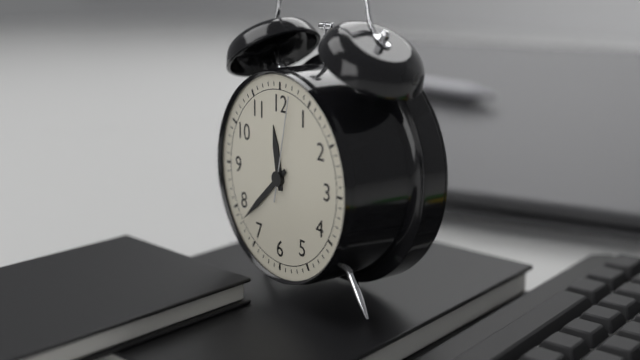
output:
11 h 38 min 02 s
